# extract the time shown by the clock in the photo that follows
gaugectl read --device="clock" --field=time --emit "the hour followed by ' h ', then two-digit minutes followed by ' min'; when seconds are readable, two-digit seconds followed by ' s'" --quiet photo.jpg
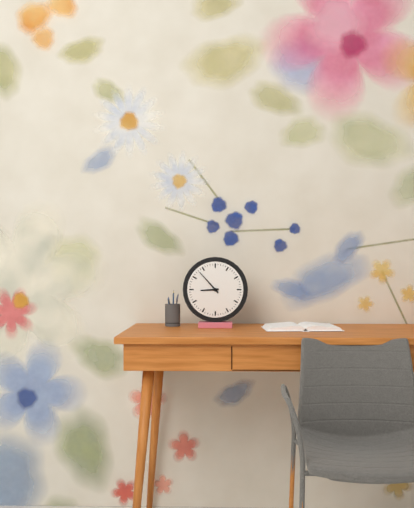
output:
8 h 53 min
